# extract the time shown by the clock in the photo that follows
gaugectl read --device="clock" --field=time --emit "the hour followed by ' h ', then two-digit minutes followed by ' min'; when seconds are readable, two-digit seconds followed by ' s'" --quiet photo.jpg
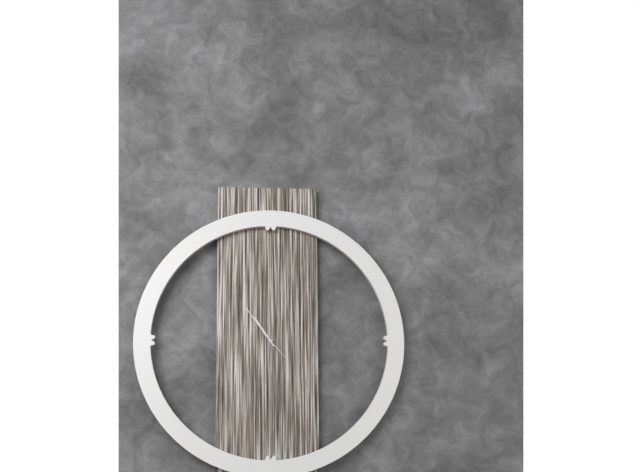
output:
10 h 54 min
